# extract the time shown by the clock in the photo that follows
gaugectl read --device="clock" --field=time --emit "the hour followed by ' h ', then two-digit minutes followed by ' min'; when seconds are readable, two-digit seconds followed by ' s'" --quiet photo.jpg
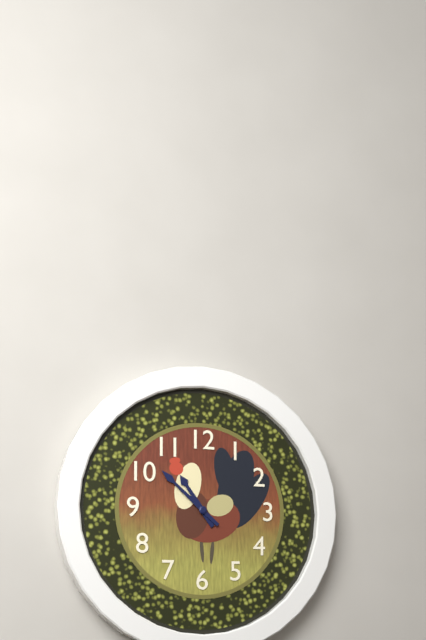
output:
10 h 52 min
